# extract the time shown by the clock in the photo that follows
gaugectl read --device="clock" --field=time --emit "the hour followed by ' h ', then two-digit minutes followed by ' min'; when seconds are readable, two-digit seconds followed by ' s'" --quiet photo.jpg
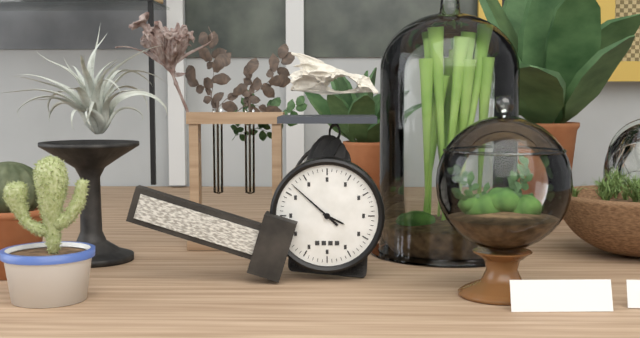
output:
3 h 52 min
